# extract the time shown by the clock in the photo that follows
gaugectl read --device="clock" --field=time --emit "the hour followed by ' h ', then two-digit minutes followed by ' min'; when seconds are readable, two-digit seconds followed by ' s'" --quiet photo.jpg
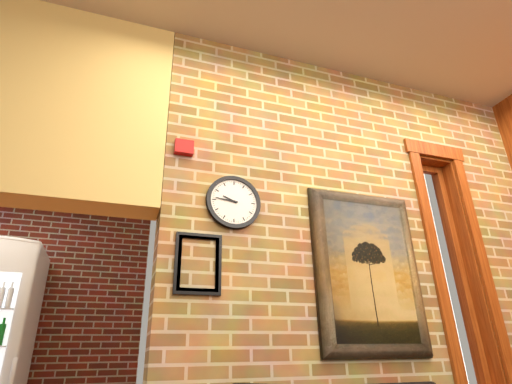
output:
9 h 46 min
